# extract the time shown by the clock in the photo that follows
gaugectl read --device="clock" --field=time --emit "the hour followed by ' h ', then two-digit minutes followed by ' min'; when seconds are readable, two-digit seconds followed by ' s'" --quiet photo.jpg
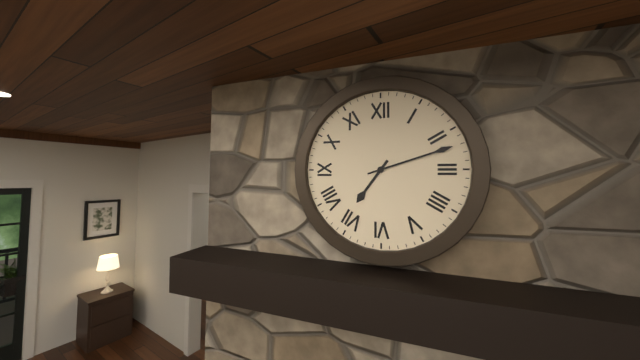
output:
7 h 12 min
